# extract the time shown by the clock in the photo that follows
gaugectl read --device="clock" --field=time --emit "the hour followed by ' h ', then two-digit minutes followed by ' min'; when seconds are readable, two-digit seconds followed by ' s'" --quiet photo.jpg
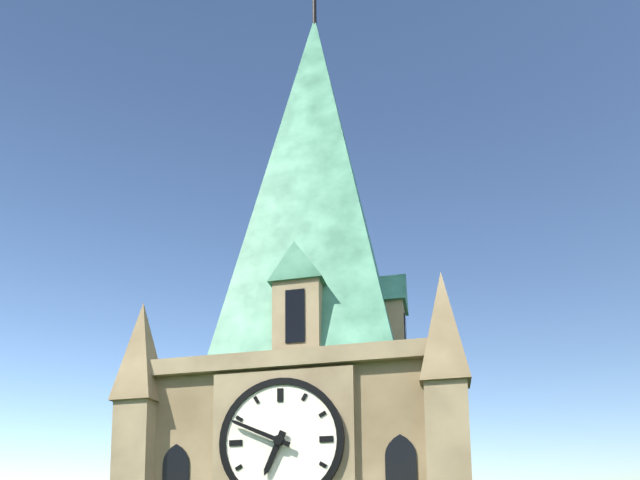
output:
6 h 49 min
